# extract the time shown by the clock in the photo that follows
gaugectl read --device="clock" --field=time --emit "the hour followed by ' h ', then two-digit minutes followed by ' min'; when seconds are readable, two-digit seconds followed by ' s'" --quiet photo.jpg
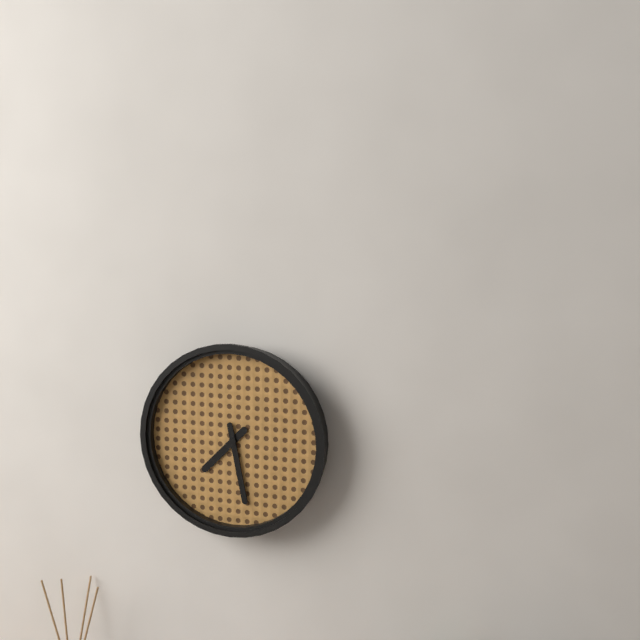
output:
7 h 28 min
